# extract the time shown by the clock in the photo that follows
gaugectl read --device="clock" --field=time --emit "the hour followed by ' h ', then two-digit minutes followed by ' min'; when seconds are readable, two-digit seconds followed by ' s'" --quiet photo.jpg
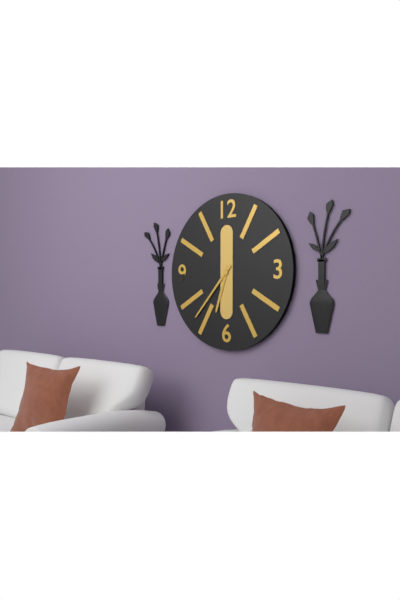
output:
6 h 37 min
